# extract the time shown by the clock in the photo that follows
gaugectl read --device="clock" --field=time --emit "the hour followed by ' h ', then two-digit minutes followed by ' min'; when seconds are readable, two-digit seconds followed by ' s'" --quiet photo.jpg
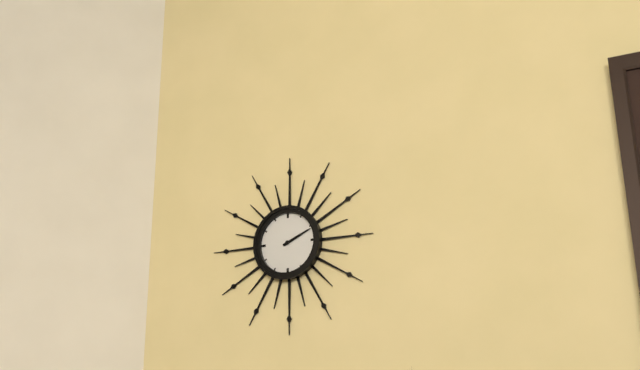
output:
2 h 11 min
